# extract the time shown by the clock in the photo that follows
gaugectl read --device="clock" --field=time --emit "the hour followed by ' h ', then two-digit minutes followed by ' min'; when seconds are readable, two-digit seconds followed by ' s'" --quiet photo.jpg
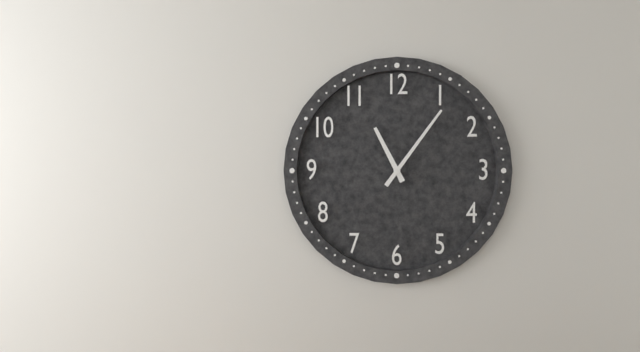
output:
11 h 06 min
